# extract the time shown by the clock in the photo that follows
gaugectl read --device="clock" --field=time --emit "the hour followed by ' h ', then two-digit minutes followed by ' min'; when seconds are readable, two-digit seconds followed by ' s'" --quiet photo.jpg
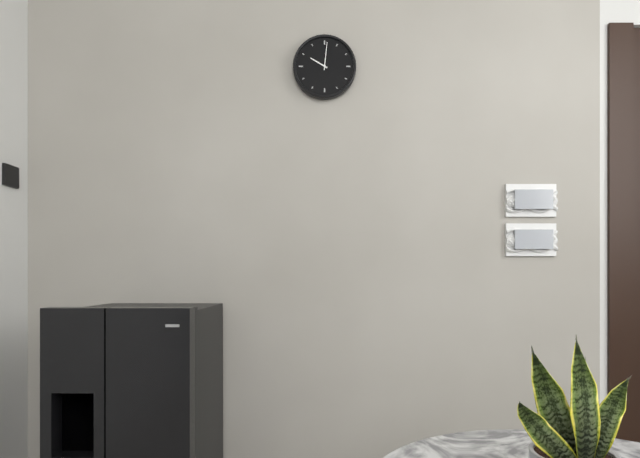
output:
10 h 01 min
